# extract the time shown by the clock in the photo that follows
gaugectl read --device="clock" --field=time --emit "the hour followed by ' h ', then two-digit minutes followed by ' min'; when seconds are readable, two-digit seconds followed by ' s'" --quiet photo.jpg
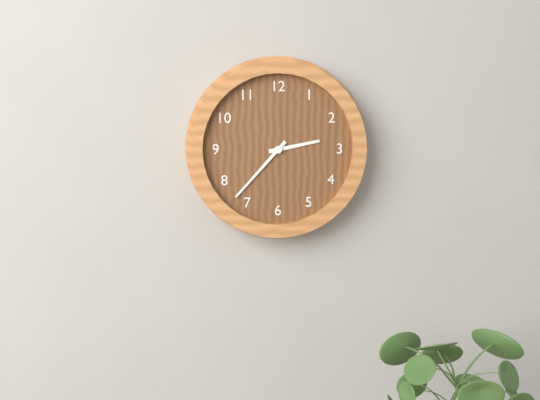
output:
2 h 37 min
